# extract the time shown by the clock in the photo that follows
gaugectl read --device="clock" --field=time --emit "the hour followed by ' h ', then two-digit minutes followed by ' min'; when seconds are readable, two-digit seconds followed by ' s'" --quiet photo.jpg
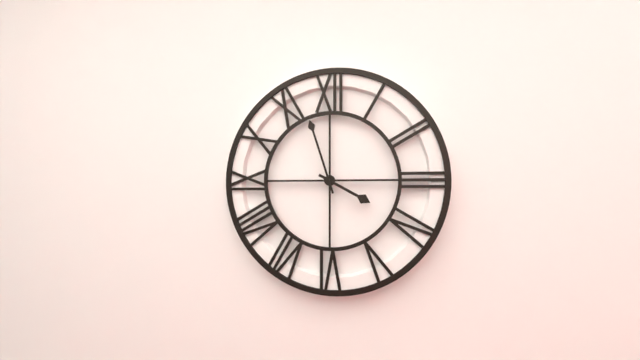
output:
3 h 57 min
